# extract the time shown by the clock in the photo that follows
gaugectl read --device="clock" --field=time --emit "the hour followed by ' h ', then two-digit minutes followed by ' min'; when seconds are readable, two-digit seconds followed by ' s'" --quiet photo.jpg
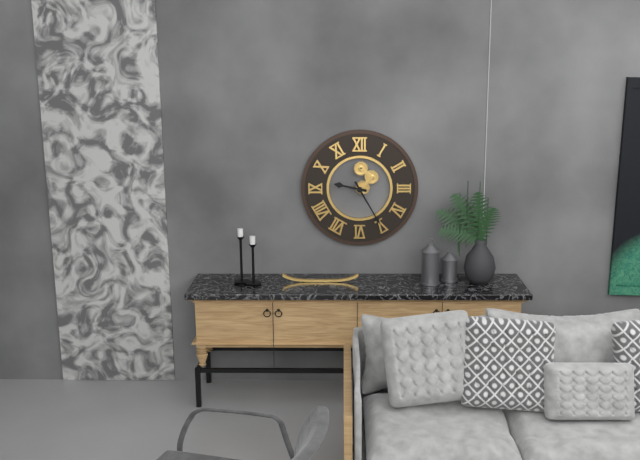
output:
9 h 25 min
